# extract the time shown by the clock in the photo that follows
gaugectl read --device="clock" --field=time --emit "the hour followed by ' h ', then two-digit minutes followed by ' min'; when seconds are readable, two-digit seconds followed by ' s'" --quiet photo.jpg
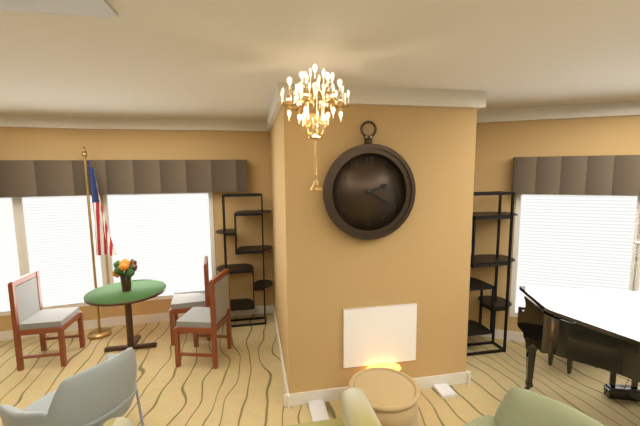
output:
2 h 20 min
